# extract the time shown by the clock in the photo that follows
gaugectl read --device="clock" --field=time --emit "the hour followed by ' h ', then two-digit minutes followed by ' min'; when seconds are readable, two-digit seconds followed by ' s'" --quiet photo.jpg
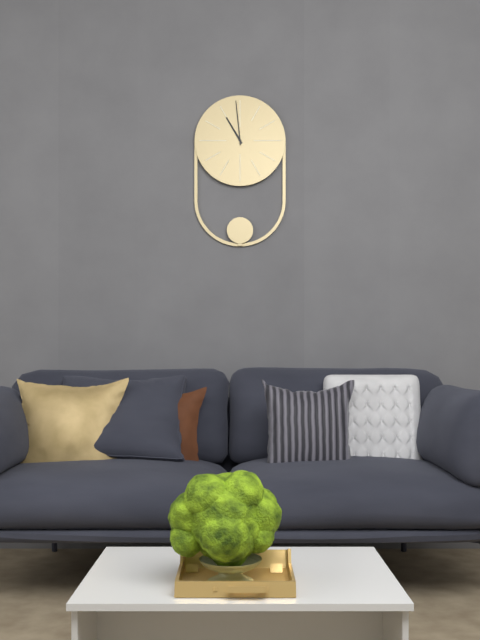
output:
10 h 59 min
